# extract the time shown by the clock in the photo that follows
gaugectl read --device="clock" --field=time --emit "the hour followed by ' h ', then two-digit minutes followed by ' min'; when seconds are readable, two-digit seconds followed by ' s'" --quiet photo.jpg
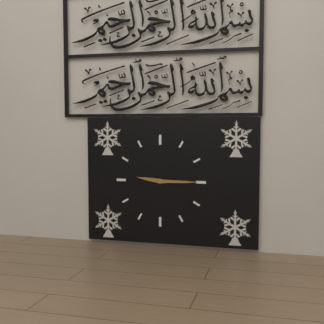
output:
9 h 15 min
